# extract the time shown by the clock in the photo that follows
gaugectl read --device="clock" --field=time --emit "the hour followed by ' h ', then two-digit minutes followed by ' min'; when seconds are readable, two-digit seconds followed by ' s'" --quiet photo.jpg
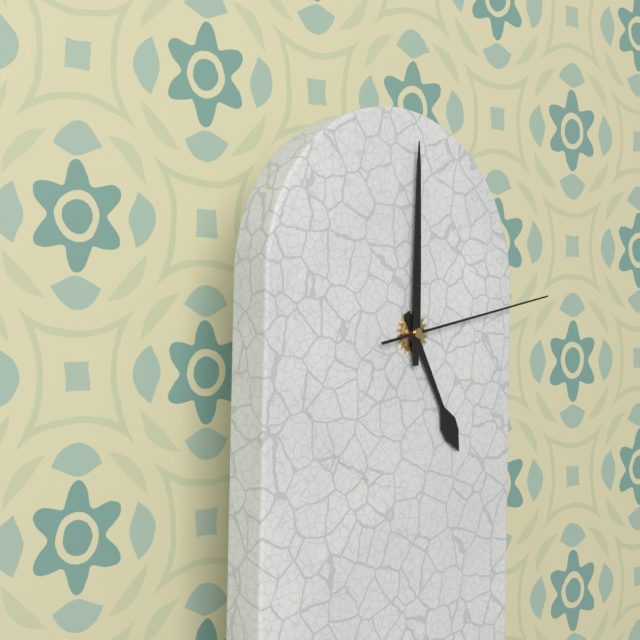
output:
5 h 00 min 13 s
